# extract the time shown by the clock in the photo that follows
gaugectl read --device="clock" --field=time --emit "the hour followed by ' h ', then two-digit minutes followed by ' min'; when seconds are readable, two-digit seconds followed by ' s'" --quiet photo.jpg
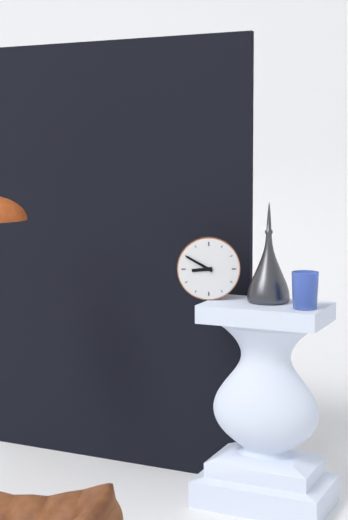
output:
8 h 50 min
